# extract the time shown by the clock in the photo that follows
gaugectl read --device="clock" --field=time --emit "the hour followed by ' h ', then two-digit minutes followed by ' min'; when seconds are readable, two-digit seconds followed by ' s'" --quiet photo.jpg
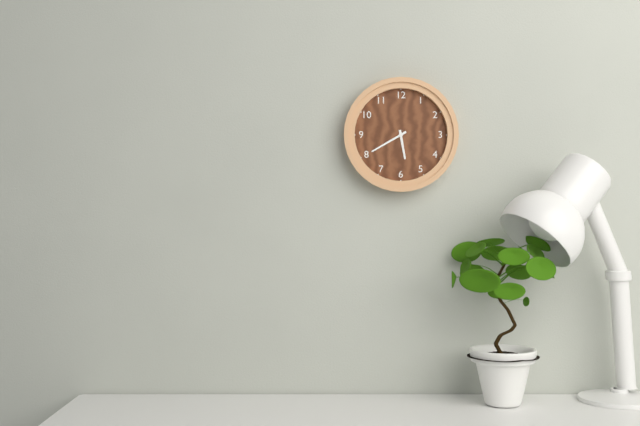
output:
5 h 40 min
